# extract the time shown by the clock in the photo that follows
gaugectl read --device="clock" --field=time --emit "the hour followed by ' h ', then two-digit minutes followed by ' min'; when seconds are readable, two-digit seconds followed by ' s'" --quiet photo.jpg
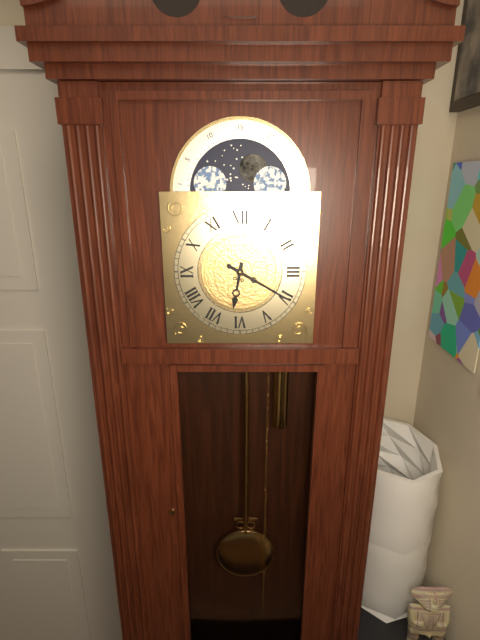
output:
6 h 20 min
